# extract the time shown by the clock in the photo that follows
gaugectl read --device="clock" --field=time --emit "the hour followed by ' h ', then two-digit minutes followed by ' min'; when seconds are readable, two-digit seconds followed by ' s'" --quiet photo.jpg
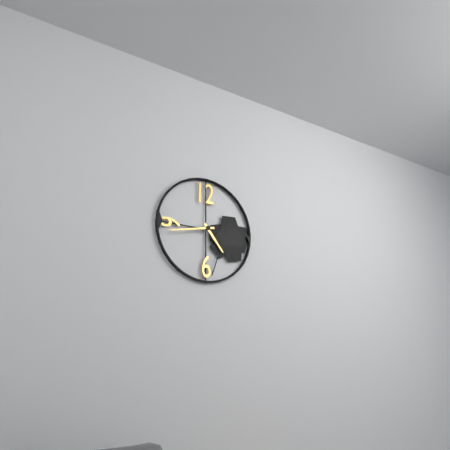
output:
4 h 43 min
